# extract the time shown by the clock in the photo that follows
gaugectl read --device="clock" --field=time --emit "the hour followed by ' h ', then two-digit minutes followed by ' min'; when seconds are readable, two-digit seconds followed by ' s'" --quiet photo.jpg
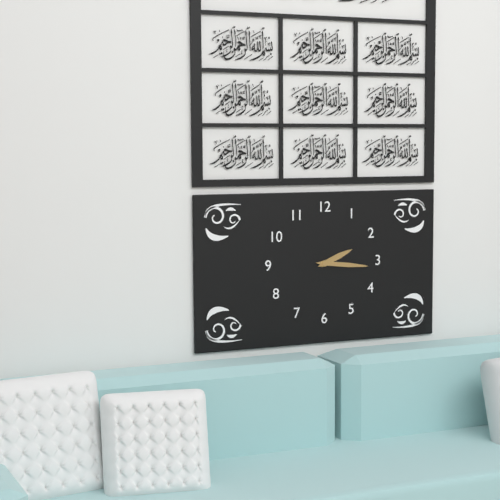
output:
2 h 16 min
